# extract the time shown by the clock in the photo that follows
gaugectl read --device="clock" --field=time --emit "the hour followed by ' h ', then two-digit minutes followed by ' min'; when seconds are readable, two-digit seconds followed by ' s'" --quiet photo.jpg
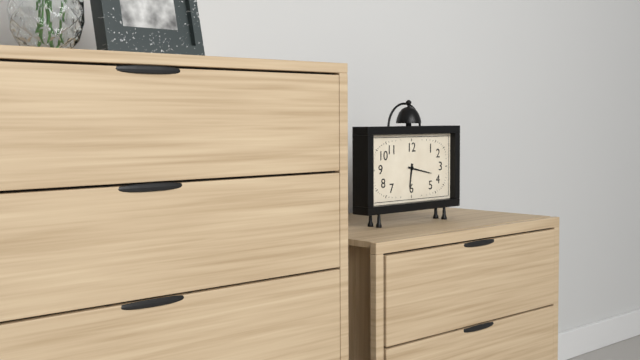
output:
6 h 17 min
